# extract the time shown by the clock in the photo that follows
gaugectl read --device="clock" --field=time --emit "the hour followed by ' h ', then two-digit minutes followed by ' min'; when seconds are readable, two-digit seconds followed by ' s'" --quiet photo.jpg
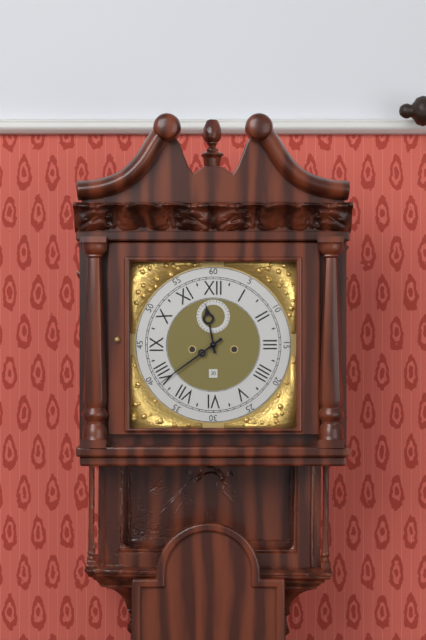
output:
11 h 39 min
